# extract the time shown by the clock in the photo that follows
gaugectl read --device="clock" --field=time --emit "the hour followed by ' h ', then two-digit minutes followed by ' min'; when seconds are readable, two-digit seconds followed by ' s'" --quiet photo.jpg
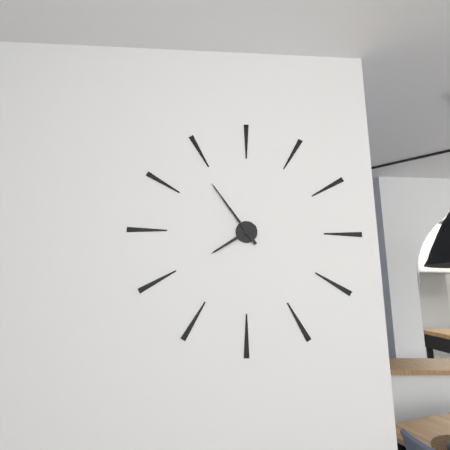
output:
7 h 54 min
